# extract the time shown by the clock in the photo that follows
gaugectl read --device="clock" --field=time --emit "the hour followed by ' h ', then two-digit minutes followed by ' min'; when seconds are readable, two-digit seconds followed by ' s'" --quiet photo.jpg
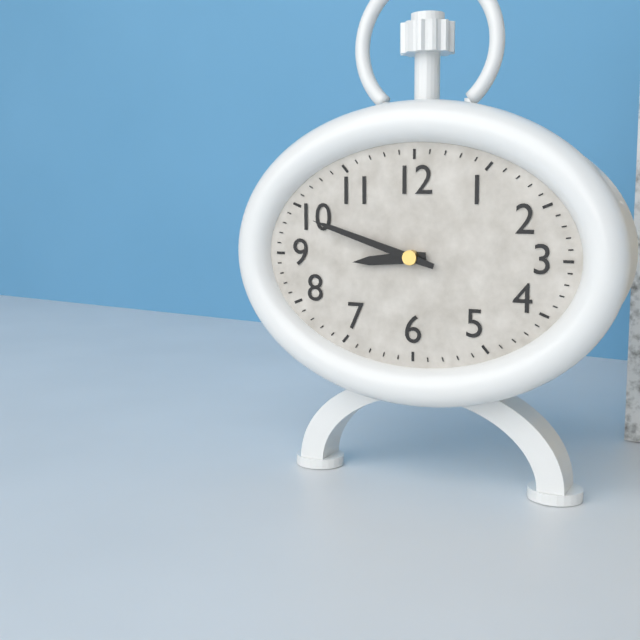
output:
8 h 48 min
